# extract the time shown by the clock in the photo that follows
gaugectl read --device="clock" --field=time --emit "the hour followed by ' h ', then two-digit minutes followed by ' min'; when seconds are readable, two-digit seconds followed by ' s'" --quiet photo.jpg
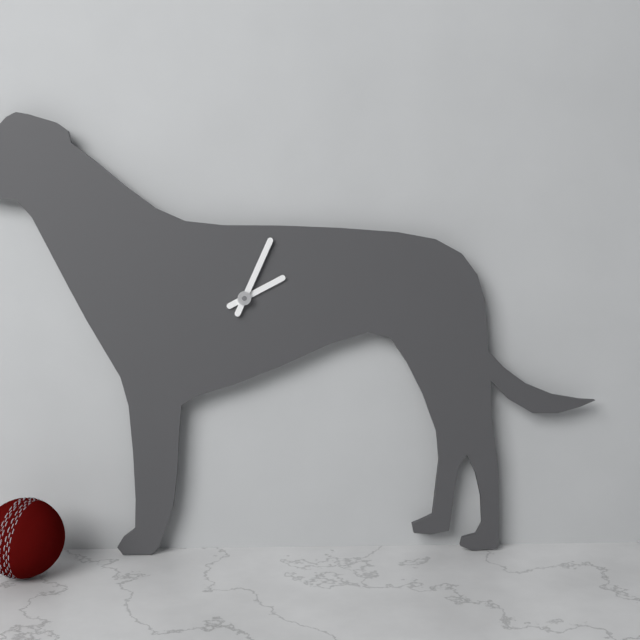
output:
2 h 04 min
